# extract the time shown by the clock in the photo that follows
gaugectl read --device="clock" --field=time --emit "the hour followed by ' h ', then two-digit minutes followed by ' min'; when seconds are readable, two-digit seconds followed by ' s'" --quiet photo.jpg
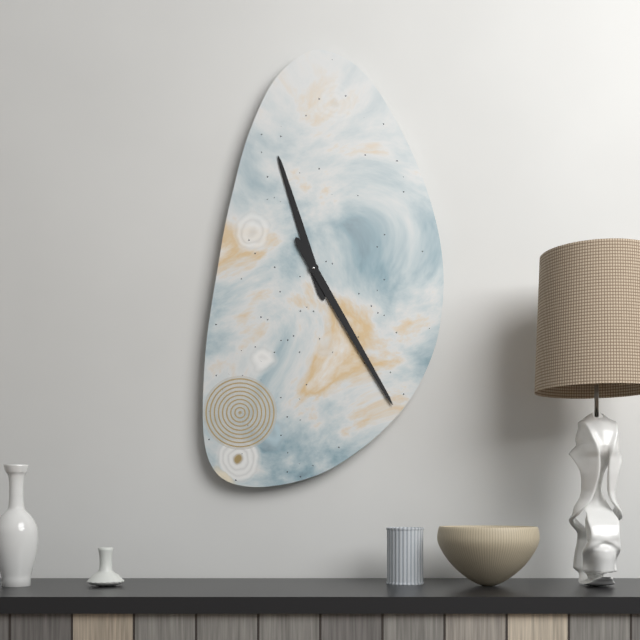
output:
11 h 25 min
